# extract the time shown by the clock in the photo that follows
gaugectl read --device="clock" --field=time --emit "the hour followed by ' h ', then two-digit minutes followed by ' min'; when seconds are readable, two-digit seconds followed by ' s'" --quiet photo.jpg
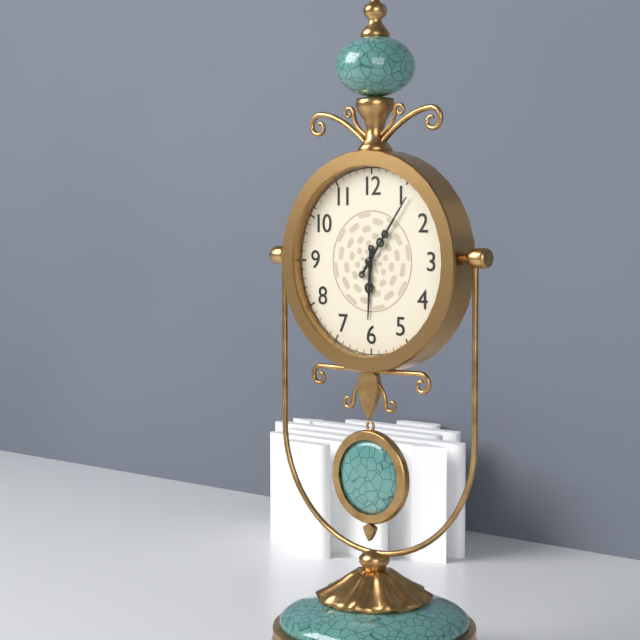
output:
6 h 06 min
